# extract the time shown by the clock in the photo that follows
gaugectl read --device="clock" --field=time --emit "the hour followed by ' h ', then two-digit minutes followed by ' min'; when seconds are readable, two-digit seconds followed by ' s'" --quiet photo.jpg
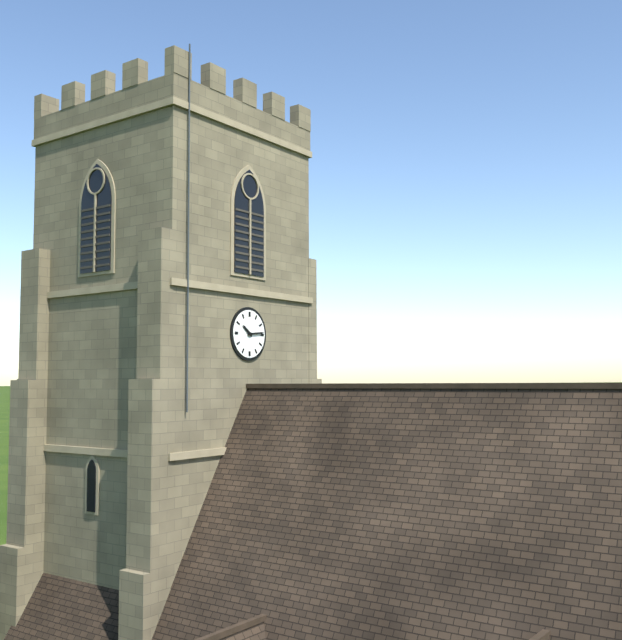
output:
10 h 14 min
